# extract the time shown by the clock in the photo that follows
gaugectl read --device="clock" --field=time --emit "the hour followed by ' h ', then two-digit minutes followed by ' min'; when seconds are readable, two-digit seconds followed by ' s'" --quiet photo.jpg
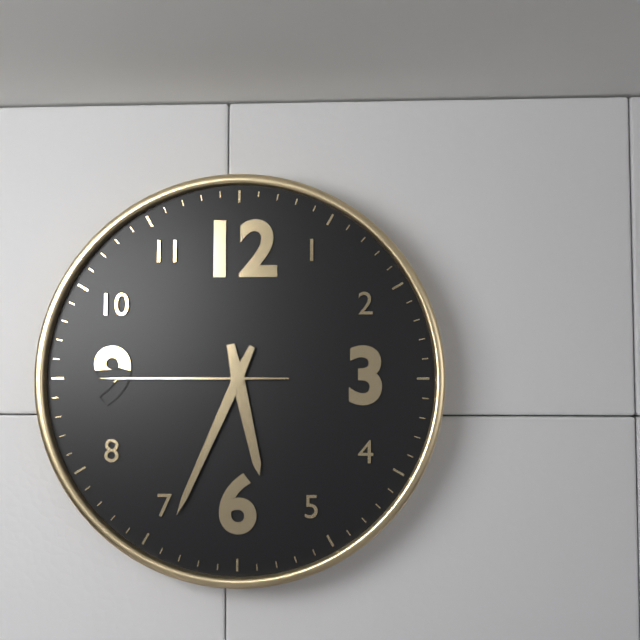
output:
5 h 34 min 45 s
